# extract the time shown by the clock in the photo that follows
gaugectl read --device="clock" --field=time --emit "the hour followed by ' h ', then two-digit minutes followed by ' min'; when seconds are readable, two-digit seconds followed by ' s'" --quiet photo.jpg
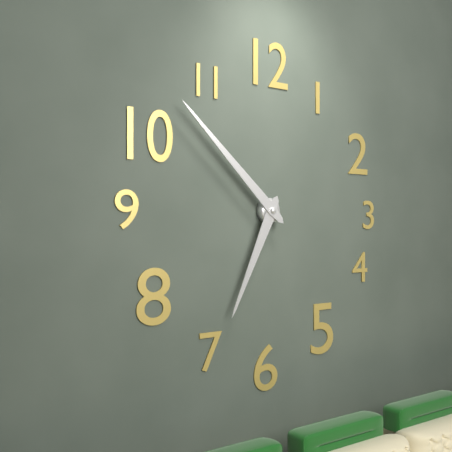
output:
6 h 52 min
